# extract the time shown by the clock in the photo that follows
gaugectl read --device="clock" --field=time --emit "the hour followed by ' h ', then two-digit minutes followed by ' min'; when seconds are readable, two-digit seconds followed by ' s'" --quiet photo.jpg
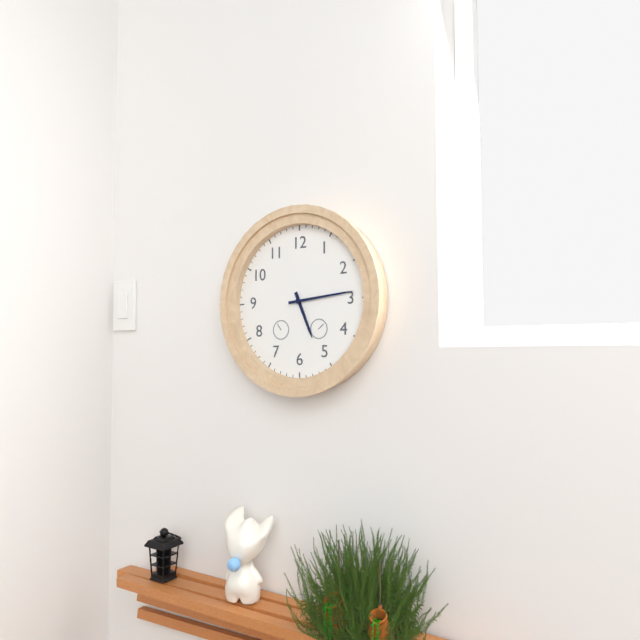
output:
5 h 14 min
